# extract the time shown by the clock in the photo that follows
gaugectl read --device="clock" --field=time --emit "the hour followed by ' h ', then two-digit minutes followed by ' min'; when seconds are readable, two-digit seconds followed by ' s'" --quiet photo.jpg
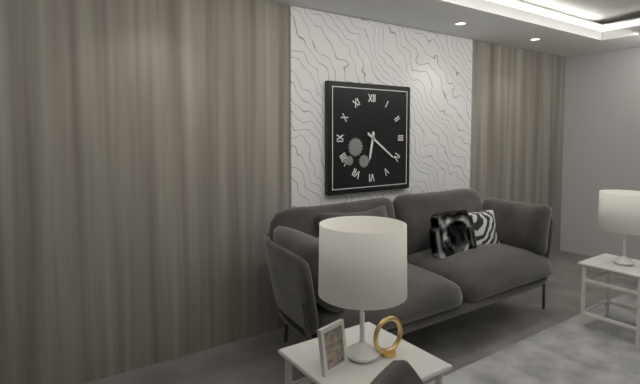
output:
6 h 21 min
